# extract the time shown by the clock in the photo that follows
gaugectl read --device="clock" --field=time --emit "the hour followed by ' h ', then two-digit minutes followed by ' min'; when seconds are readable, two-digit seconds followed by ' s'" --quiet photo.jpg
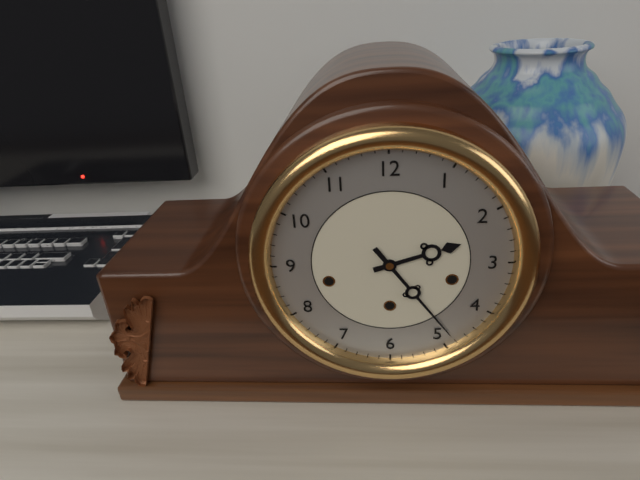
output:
2 h 24 min
